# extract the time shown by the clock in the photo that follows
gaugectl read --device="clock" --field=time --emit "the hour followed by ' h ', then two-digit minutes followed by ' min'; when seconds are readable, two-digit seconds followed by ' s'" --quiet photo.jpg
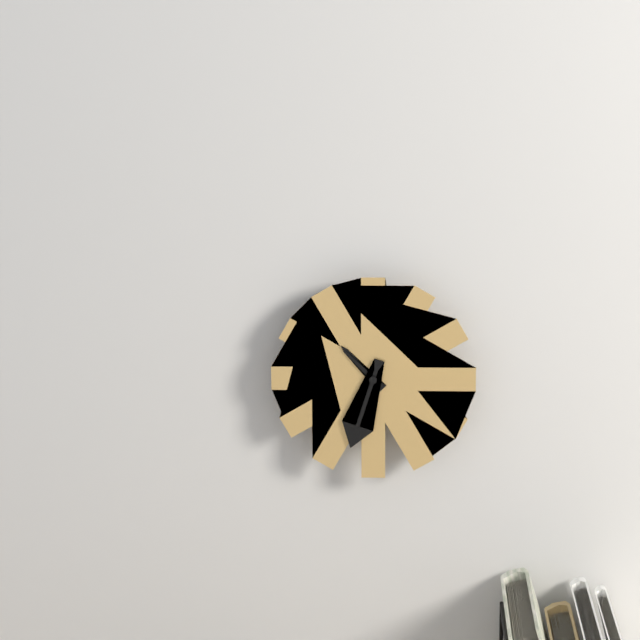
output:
10 h 33 min
